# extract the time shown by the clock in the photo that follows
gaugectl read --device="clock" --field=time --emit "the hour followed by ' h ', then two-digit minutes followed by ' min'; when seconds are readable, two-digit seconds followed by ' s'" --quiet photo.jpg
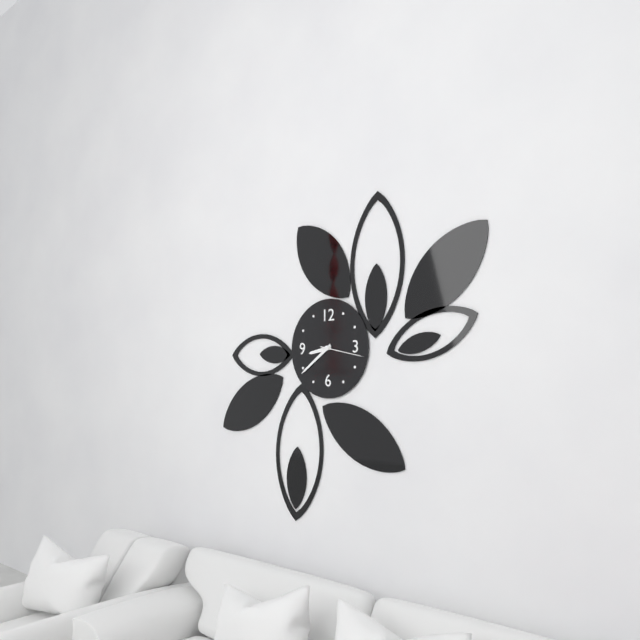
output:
8 h 39 min
